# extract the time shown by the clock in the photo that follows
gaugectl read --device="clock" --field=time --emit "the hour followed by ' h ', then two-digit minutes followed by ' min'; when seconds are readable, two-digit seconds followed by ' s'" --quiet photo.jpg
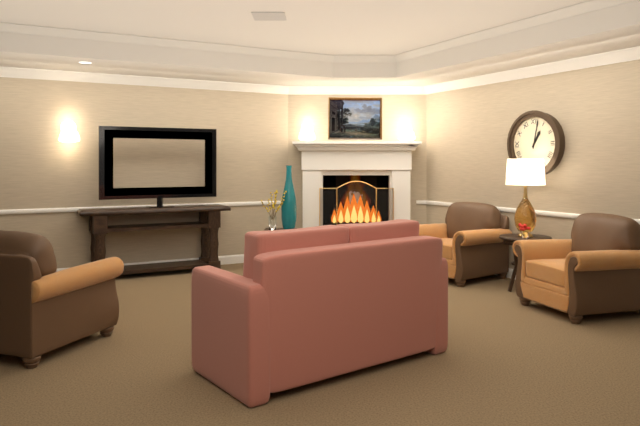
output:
1 h 02 min
